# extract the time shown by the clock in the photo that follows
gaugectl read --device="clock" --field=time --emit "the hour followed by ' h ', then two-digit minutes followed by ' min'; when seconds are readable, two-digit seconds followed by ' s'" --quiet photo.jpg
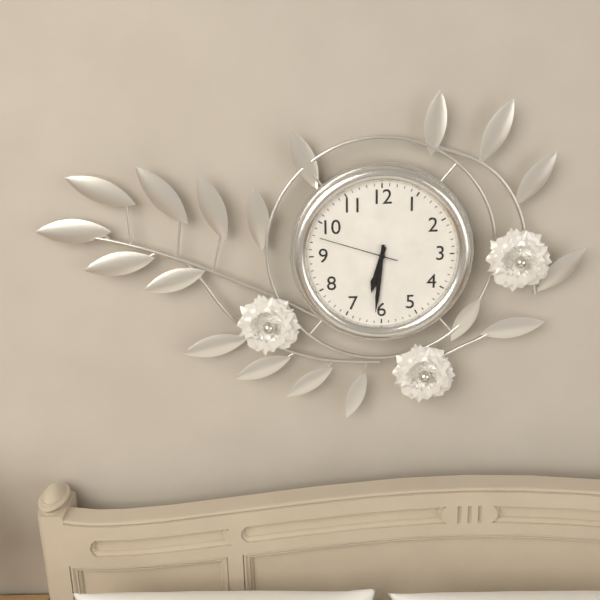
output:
6 h 31 min 48 s
